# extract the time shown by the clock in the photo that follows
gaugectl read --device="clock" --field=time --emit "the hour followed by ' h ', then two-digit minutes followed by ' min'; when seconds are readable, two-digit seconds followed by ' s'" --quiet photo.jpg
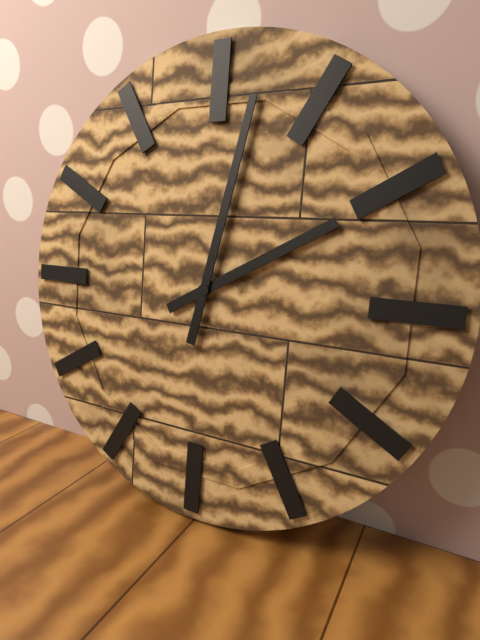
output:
2 h 02 min
